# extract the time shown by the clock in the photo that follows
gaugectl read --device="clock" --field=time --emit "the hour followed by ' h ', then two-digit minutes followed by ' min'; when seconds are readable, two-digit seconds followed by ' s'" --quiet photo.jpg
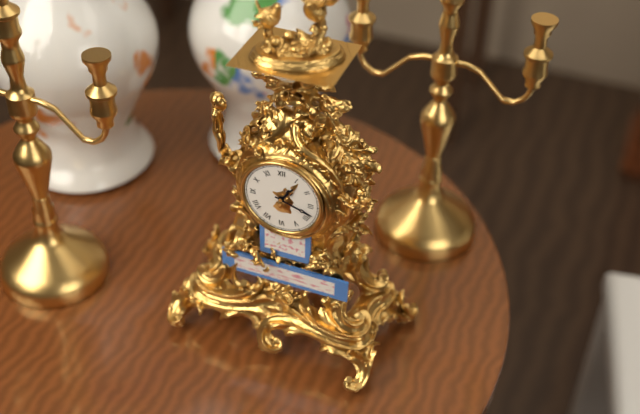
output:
1 h 18 min
